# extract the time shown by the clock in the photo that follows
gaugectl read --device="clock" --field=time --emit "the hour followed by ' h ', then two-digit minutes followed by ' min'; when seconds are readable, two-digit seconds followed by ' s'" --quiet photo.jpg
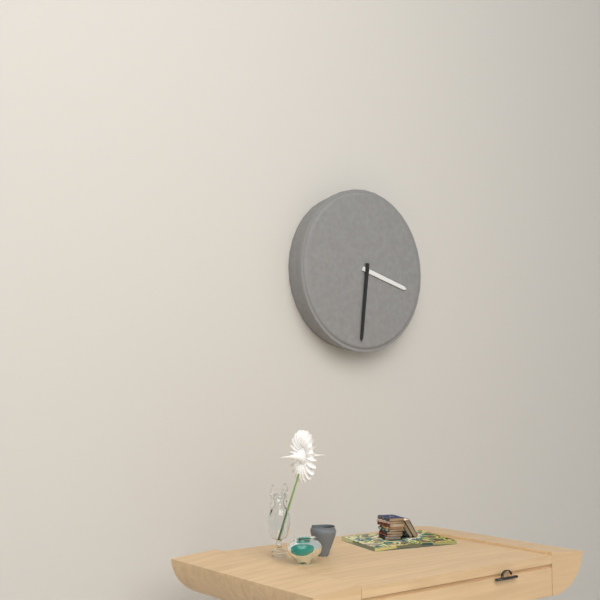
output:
3 h 31 min
